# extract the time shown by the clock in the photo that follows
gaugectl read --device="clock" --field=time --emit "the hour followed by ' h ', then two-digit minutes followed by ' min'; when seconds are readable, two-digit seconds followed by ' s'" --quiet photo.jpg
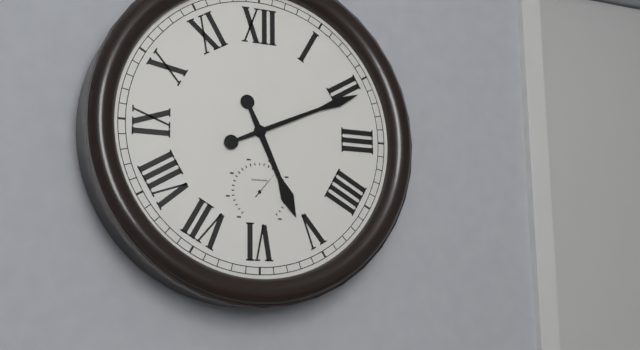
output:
5 h 11 min
